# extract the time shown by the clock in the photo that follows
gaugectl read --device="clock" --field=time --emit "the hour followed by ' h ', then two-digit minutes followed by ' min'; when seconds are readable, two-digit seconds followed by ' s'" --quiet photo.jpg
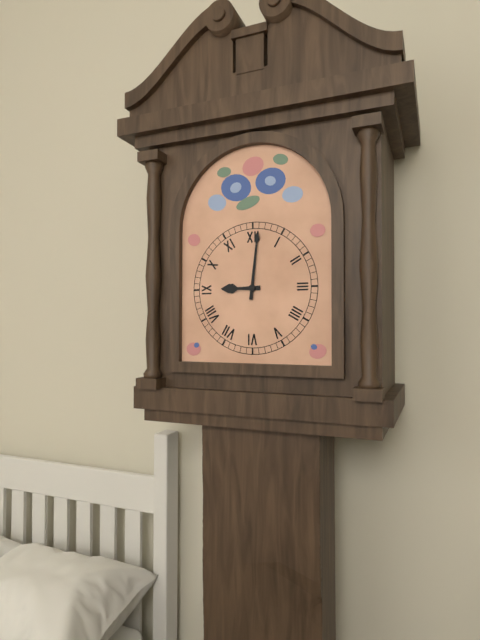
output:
9 h 01 min
